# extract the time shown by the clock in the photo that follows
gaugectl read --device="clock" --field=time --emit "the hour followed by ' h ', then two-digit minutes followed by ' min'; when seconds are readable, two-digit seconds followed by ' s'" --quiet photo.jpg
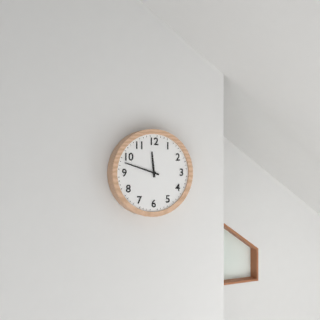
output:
11 h 48 min
